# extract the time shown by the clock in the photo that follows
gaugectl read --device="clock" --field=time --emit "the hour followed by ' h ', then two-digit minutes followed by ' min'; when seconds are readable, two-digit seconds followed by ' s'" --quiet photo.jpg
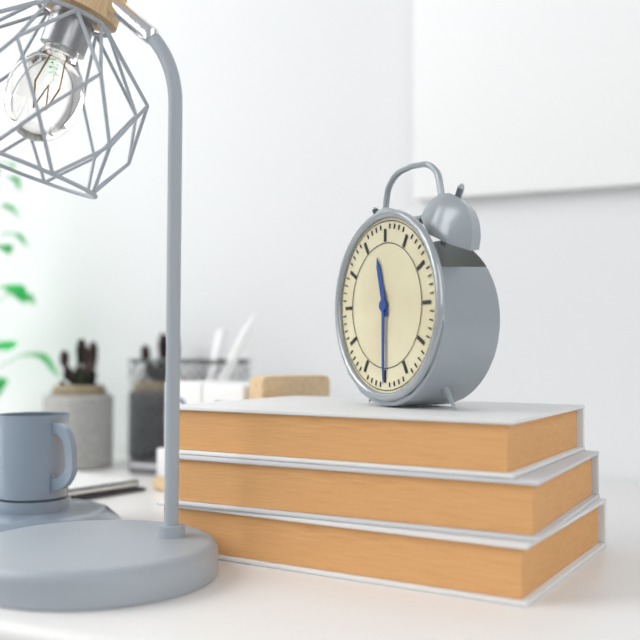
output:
11 h 30 min
